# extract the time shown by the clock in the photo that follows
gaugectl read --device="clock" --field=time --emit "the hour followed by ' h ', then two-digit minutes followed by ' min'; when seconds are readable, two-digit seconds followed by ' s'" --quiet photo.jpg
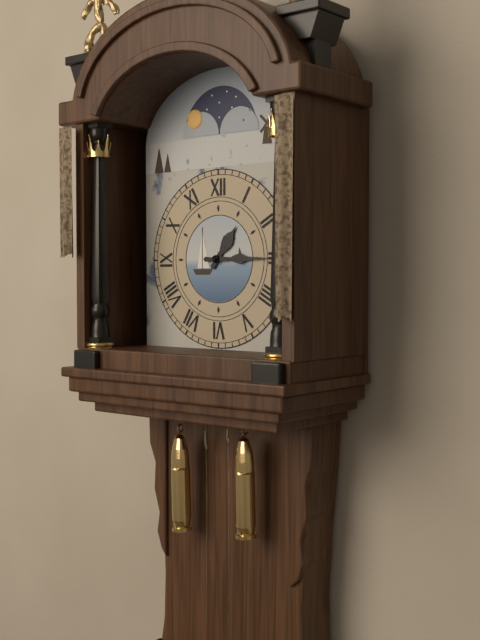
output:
1 h 15 min
